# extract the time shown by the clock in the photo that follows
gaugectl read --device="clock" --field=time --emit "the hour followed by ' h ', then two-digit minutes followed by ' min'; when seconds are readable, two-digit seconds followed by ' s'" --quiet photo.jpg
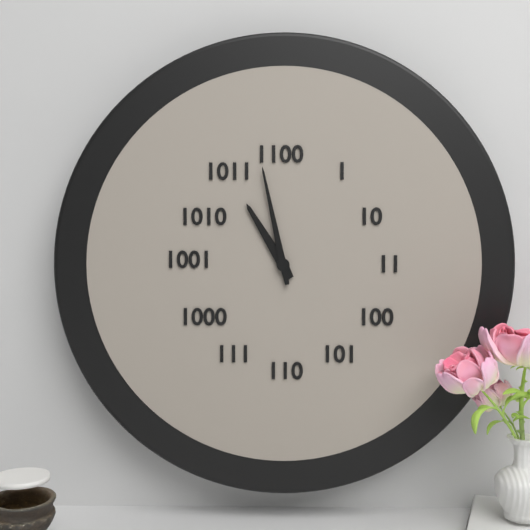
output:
10 h 58 min
